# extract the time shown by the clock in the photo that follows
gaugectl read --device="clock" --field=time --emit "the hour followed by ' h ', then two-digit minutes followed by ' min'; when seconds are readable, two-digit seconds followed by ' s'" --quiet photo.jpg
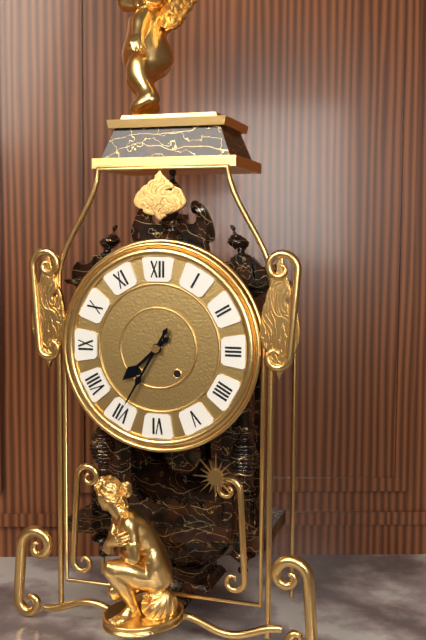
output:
7 h 35 min
